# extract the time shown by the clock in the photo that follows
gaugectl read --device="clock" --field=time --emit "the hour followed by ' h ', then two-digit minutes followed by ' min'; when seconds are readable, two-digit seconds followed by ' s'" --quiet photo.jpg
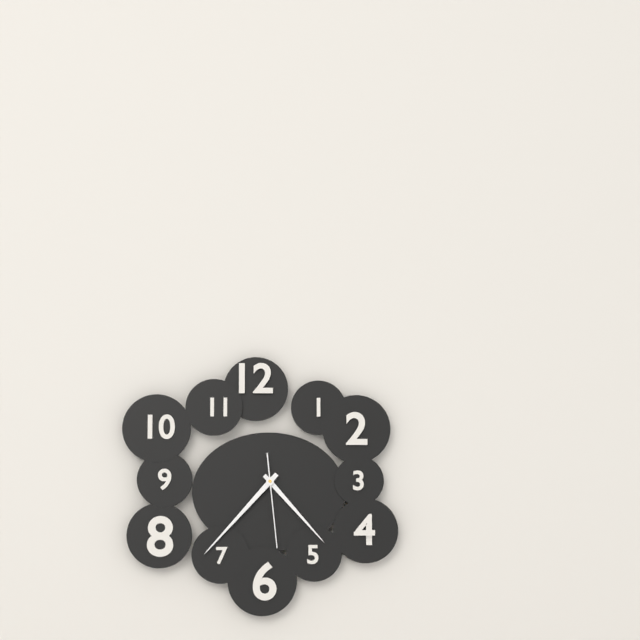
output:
4 h 37 min 29 s
